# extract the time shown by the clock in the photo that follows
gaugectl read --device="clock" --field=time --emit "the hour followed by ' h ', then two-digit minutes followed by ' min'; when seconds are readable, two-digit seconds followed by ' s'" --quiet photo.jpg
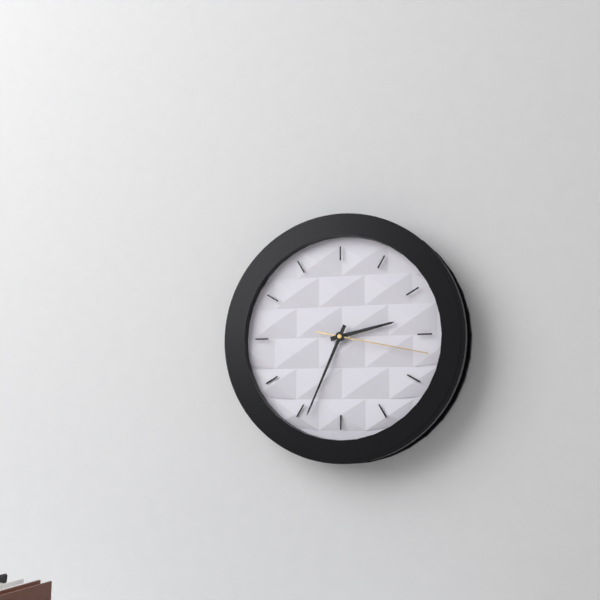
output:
2 h 34 min 17 s
